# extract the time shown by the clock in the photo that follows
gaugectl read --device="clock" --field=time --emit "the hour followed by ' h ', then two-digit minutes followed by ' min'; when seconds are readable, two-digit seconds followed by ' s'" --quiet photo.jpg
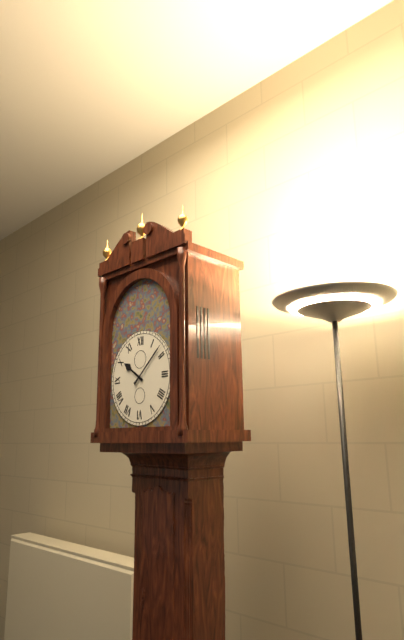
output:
10 h 08 min
